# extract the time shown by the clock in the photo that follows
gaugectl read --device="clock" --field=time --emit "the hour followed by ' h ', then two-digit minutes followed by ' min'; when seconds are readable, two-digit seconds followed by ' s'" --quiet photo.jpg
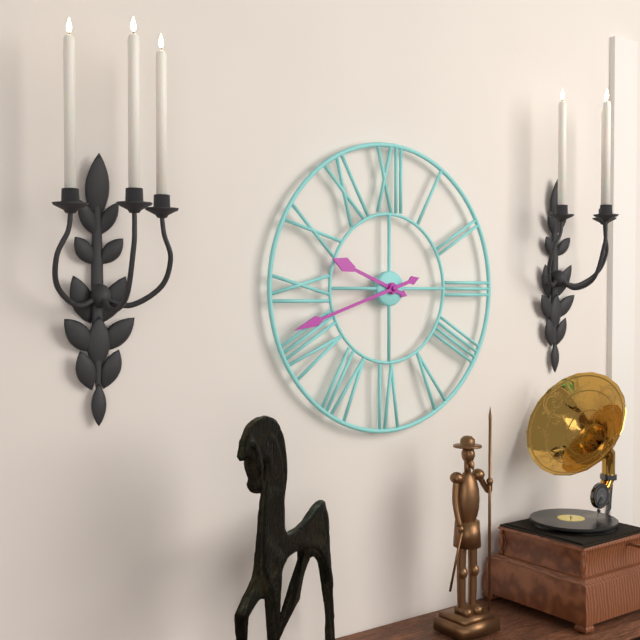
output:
9 h 42 min
